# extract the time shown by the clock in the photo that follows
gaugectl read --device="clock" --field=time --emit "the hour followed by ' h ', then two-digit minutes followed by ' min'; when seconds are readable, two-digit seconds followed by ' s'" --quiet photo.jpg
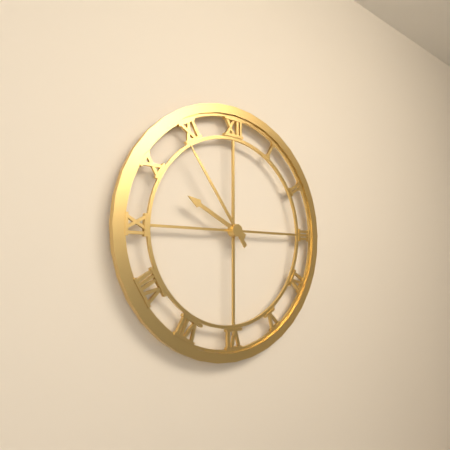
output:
9 h 54 min
